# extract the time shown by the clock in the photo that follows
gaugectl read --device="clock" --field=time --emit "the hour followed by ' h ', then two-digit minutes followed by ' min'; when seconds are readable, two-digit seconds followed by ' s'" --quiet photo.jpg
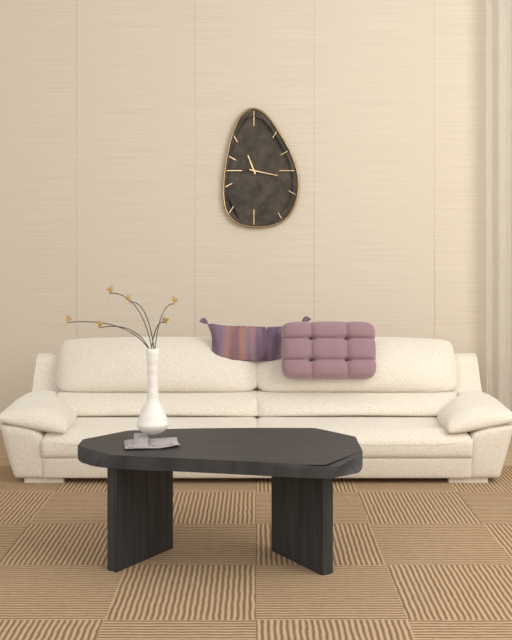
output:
11 h 17 min
